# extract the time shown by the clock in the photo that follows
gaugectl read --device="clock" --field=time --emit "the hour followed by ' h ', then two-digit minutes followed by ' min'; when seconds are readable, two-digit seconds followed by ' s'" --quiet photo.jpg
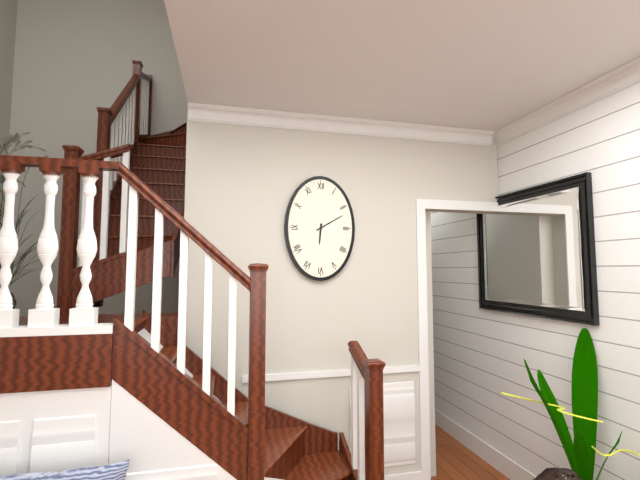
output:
6 h 10 min
